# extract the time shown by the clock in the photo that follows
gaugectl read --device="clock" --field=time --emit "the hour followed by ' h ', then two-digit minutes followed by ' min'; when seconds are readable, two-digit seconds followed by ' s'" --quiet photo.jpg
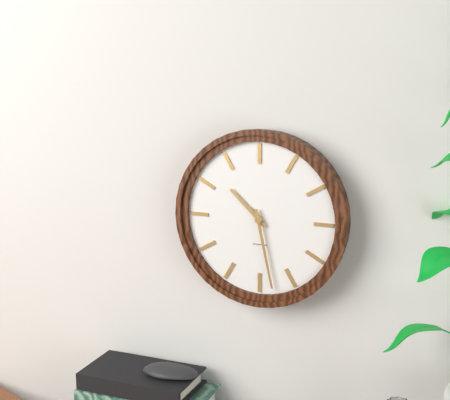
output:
10 h 28 min
